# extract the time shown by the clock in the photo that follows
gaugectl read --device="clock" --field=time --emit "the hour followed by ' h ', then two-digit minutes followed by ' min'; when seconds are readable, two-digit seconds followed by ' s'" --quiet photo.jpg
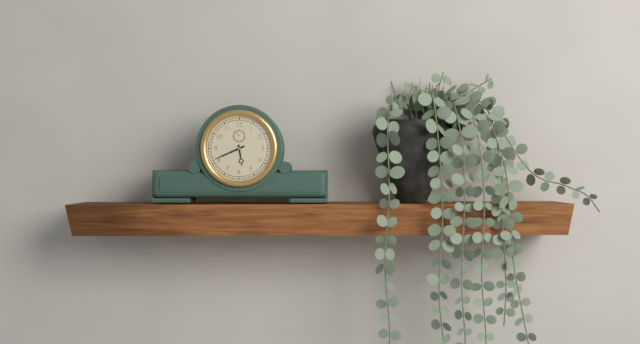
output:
5 h 41 min
